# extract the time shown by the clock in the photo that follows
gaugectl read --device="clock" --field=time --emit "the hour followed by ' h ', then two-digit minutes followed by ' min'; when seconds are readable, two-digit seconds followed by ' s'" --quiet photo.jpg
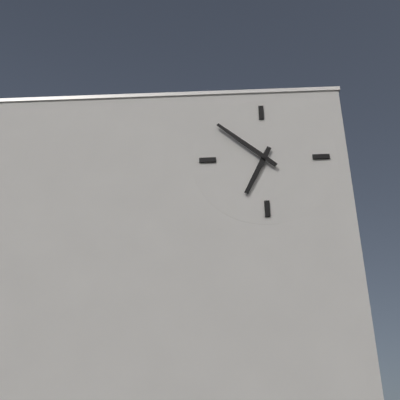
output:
6 h 52 min
